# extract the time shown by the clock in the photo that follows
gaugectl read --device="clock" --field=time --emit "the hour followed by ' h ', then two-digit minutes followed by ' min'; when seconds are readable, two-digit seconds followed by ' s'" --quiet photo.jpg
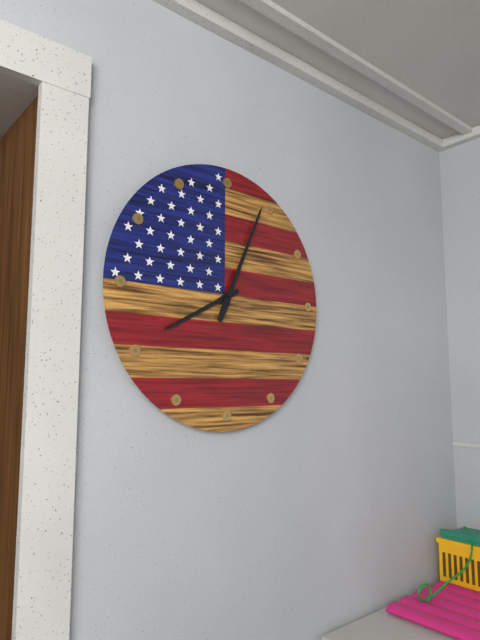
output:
8 h 04 min
